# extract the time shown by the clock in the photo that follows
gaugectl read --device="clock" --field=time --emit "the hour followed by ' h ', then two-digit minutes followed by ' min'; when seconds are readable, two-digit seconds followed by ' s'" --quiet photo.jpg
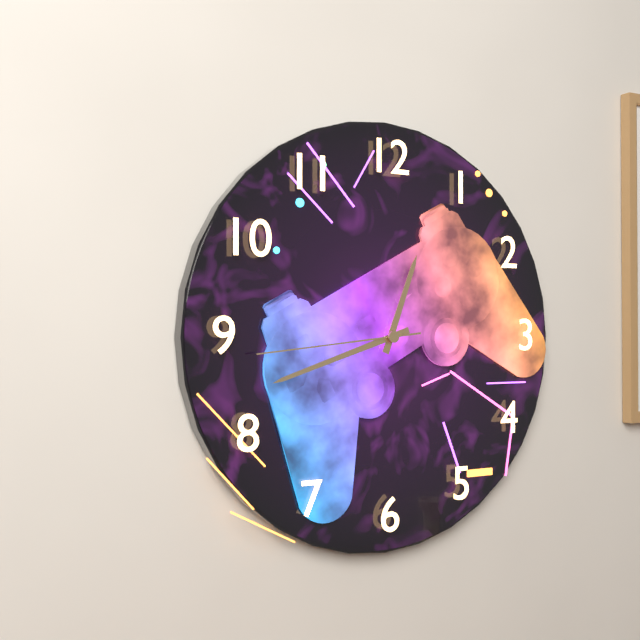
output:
12 h 42 min 44 s
